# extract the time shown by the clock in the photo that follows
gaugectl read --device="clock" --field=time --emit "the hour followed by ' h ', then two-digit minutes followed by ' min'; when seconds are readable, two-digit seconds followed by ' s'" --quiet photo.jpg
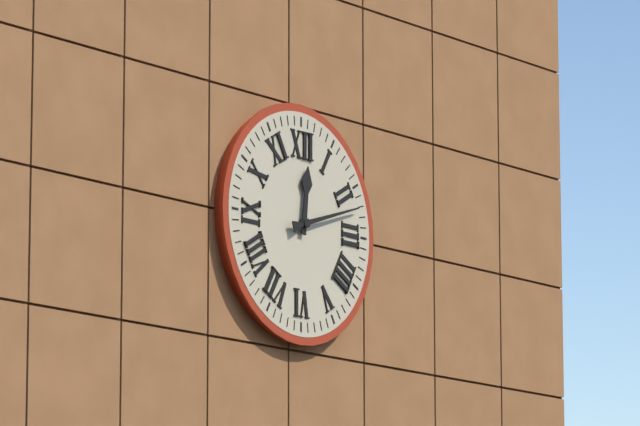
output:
12 h 12 min
